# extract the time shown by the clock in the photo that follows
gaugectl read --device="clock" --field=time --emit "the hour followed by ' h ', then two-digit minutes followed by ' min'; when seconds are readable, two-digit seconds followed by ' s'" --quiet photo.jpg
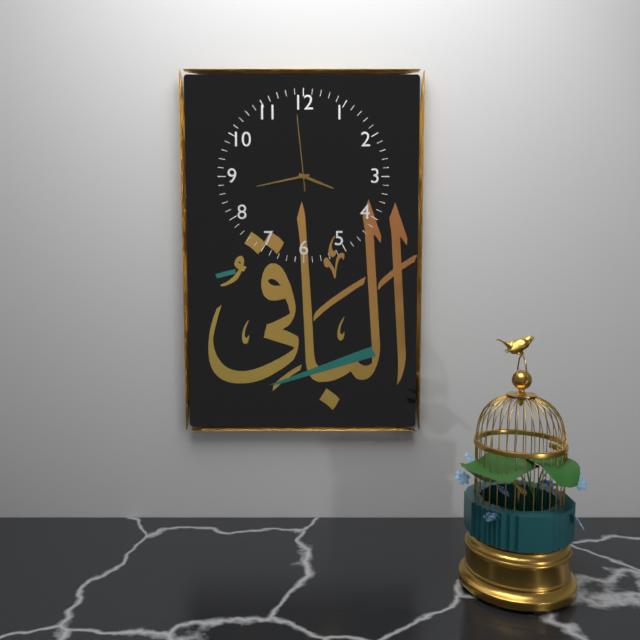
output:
3 h 43 min 59 s
